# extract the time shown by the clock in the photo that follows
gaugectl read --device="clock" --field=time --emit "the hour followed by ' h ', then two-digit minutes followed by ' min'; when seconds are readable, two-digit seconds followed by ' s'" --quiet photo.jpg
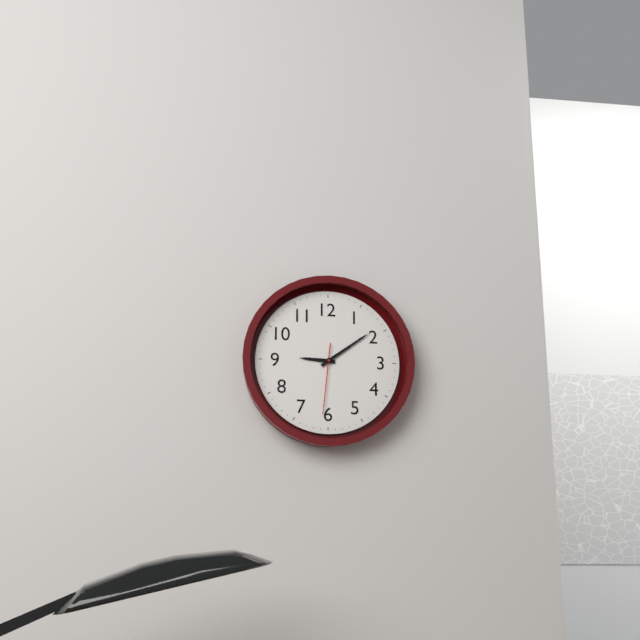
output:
9 h 09 min 31 s
